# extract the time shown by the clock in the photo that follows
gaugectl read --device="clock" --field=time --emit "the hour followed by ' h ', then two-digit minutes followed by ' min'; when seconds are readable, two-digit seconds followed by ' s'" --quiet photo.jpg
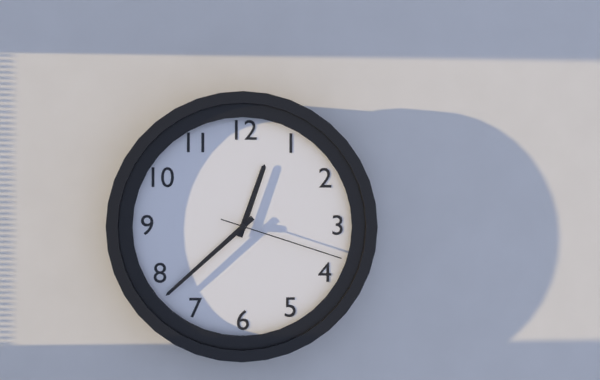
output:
12 h 38 min 18 s
